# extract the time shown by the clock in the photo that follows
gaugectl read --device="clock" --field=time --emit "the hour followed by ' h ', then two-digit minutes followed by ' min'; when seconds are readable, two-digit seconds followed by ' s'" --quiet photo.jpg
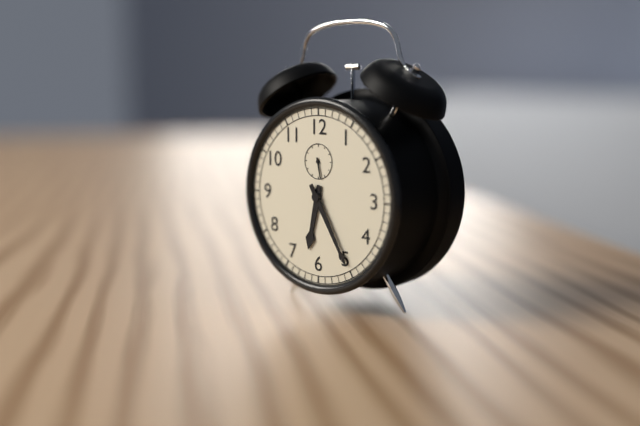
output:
6 h 25 min
